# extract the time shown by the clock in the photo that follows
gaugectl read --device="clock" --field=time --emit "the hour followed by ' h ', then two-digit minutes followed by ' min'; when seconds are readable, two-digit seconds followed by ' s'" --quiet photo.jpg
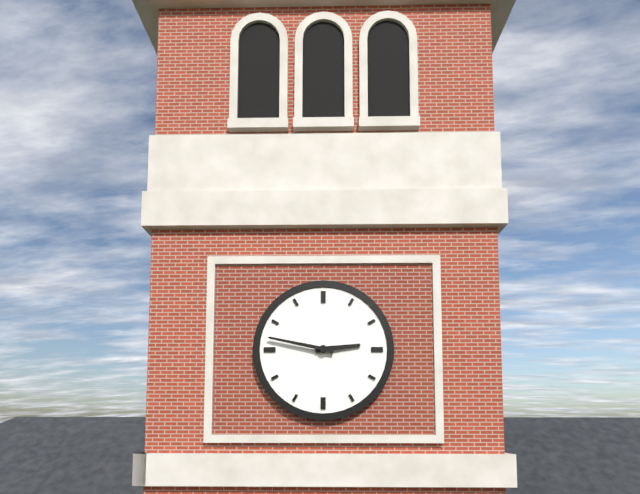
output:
2 h 47 min
